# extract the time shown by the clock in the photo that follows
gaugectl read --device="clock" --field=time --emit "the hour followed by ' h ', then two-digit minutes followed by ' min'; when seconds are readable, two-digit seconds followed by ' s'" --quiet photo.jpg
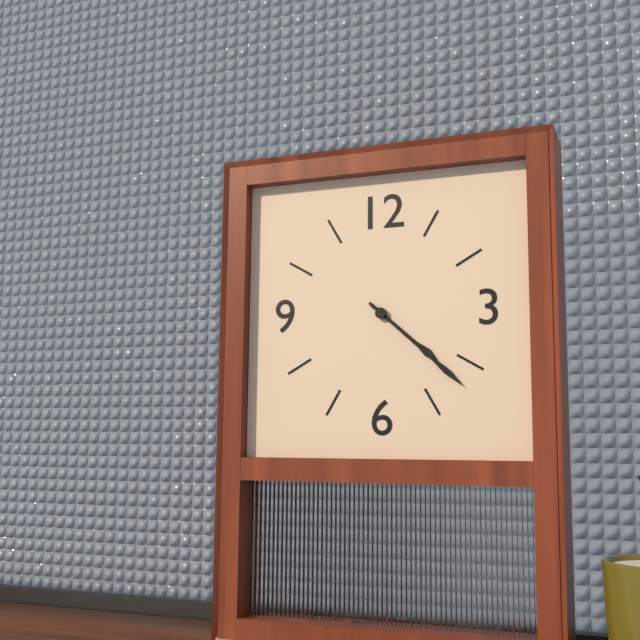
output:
4 h 22 min
